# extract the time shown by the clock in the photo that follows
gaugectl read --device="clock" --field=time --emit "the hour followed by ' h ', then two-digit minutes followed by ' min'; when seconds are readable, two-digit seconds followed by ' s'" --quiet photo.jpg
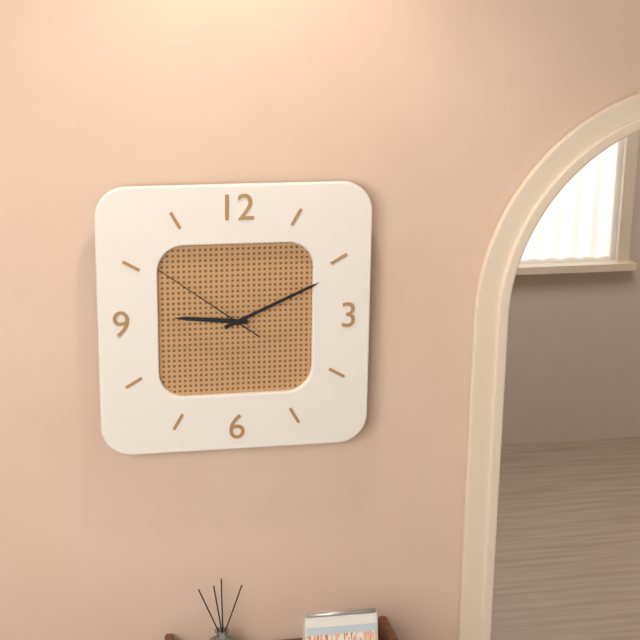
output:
9 h 11 min 51 s
